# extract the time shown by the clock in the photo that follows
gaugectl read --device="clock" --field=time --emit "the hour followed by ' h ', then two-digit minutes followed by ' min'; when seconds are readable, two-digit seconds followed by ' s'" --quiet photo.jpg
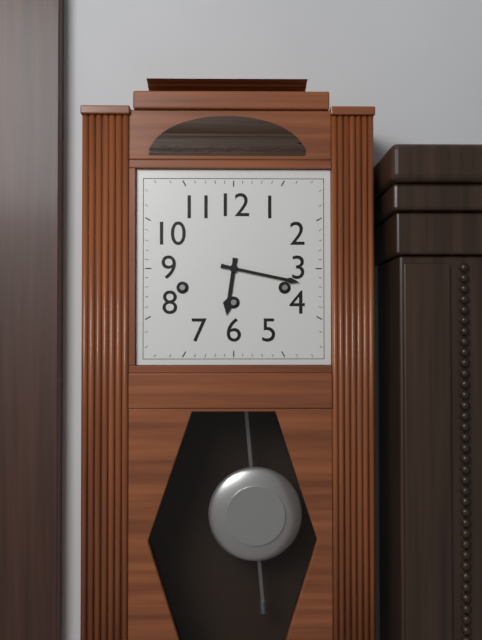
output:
6 h 17 min
